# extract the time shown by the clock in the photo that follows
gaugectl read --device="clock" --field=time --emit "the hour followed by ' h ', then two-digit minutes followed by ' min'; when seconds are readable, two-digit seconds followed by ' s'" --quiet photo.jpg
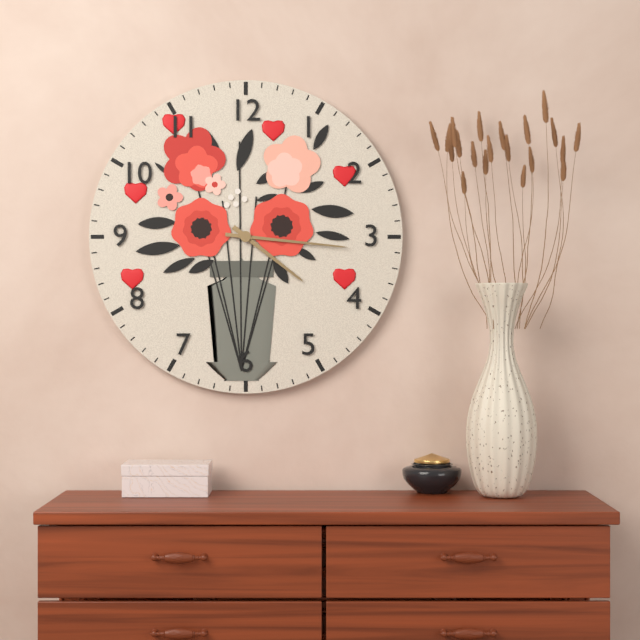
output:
4 h 16 min
